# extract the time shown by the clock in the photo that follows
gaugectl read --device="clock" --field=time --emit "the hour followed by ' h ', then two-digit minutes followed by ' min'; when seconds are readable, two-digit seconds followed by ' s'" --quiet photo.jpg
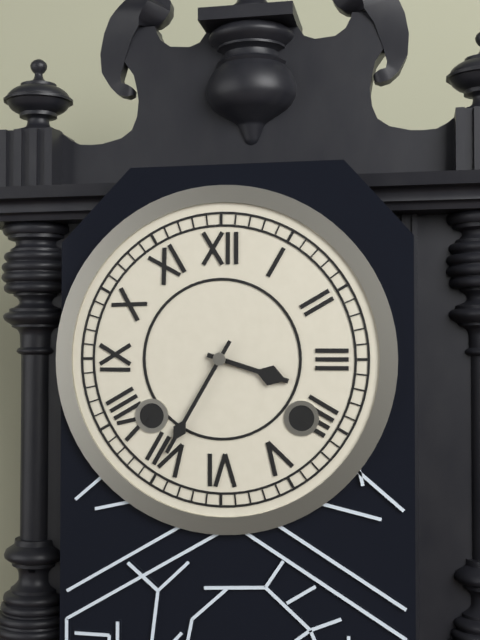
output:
3 h 35 min
